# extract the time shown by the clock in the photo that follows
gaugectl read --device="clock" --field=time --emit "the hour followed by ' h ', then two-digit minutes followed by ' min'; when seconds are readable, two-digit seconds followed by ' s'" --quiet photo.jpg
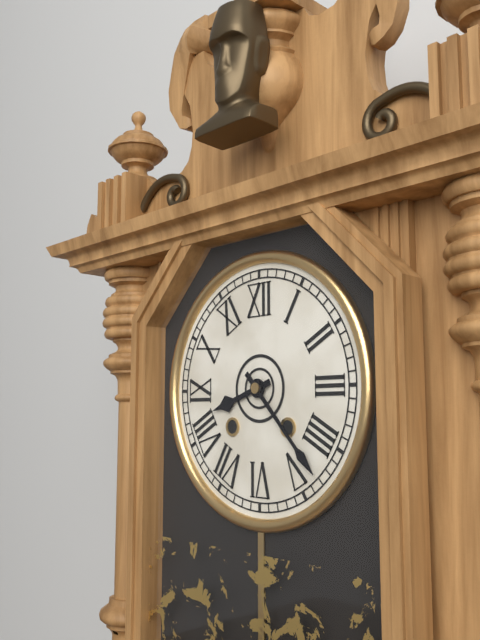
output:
8 h 23 min
